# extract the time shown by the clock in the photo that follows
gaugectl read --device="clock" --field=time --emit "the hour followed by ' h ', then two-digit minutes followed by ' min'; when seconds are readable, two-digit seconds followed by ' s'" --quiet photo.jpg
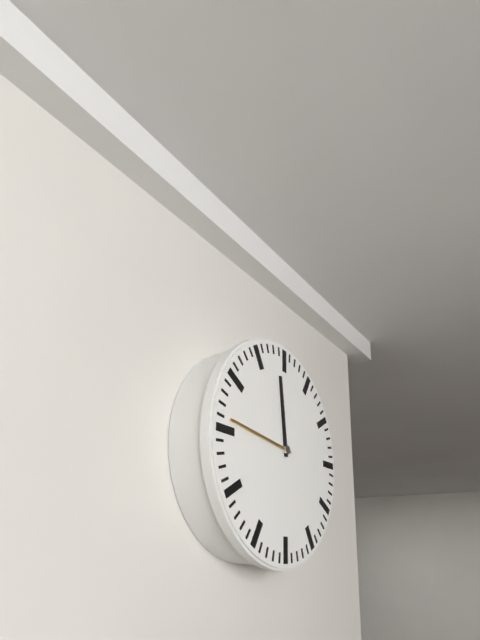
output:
11 h 46 min
